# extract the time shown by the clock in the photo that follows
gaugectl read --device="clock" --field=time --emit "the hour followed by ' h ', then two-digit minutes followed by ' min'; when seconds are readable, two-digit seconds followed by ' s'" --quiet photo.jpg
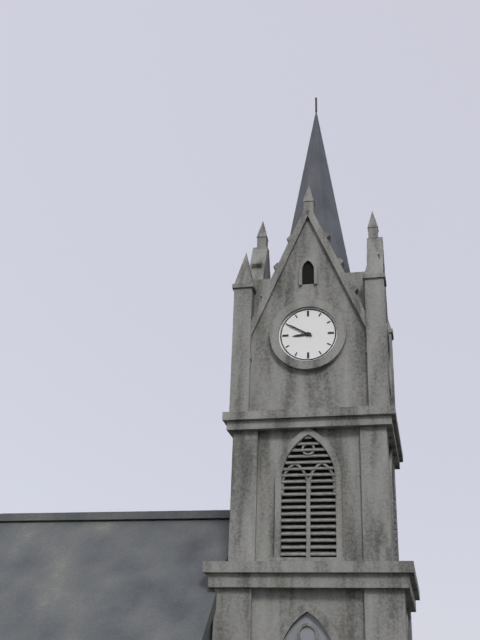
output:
8 h 50 min
